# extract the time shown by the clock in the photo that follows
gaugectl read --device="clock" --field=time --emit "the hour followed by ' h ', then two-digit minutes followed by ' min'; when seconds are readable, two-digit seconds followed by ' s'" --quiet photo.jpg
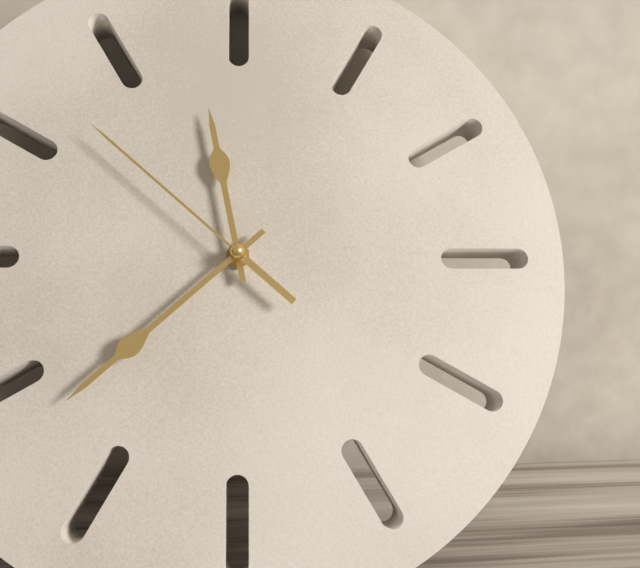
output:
11 h 38 min 52 s
